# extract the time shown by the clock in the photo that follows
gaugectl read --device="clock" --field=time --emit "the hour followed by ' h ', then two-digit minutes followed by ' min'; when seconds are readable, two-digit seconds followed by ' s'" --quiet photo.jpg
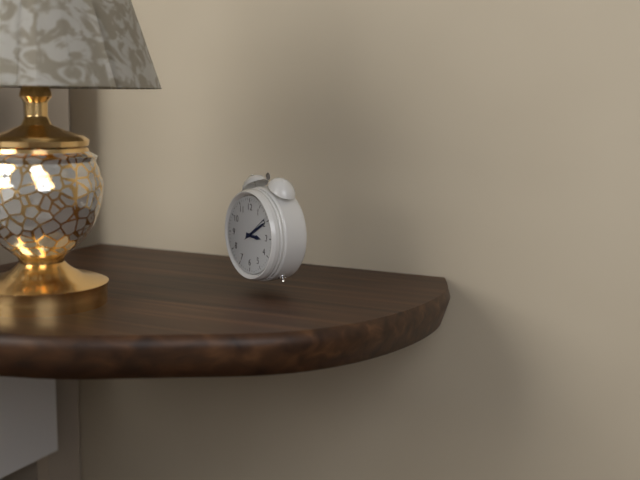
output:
3 h 10 min
